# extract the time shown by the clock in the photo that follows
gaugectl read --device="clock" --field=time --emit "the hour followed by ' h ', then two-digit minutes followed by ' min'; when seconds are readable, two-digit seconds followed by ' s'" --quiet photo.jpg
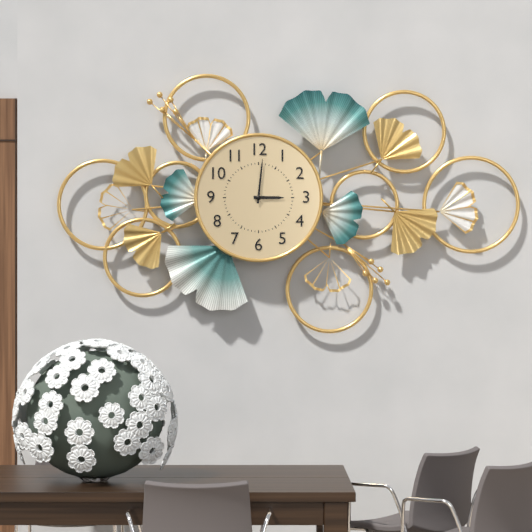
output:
3 h 01 min
